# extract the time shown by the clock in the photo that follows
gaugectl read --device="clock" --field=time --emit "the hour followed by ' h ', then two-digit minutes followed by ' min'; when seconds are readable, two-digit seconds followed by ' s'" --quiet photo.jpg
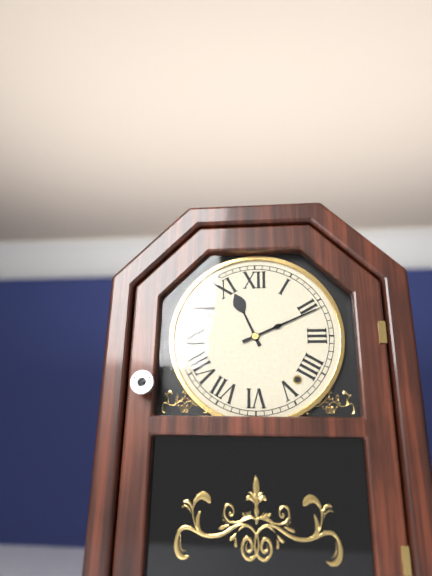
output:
11 h 11 min
